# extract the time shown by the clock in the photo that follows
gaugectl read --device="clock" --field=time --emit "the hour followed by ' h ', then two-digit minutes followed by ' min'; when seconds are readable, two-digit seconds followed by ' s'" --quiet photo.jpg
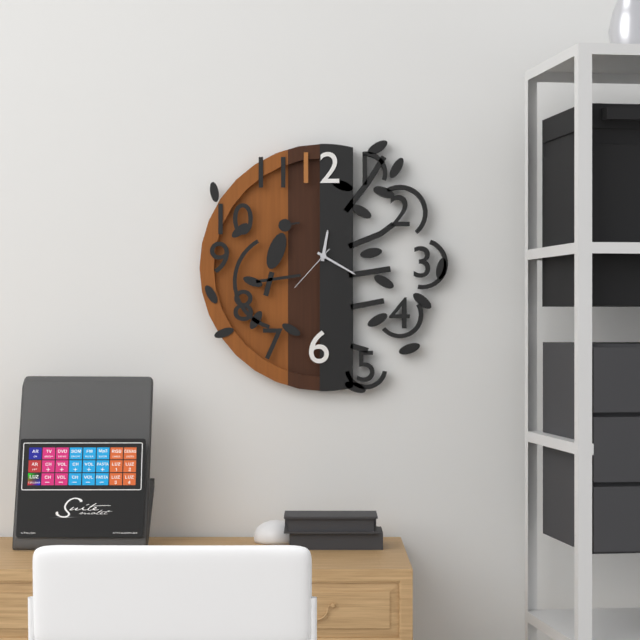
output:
12 h 20 min 37 s
